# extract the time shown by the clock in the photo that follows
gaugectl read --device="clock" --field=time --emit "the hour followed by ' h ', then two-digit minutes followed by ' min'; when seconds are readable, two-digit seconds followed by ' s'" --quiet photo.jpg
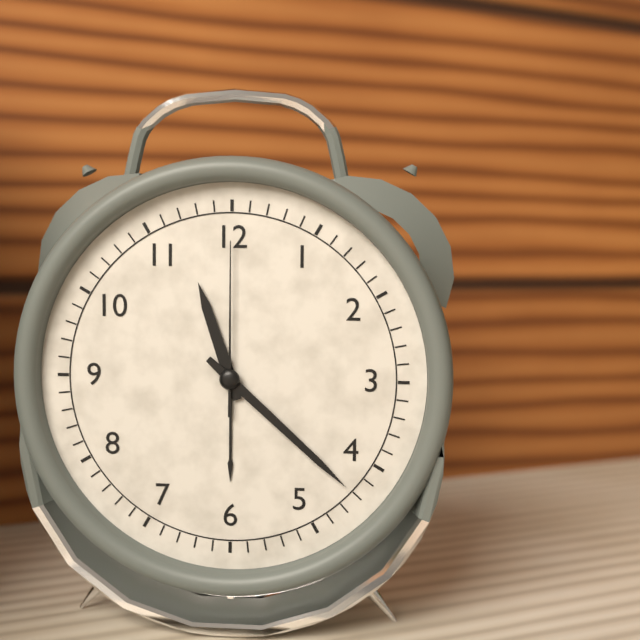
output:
11 h 22 min 00 s
